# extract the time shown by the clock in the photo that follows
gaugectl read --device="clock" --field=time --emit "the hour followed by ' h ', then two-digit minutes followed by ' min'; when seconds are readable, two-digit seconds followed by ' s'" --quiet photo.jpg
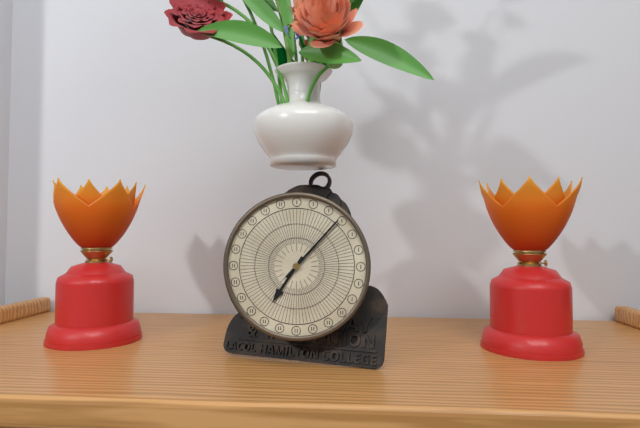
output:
7 h 07 min
